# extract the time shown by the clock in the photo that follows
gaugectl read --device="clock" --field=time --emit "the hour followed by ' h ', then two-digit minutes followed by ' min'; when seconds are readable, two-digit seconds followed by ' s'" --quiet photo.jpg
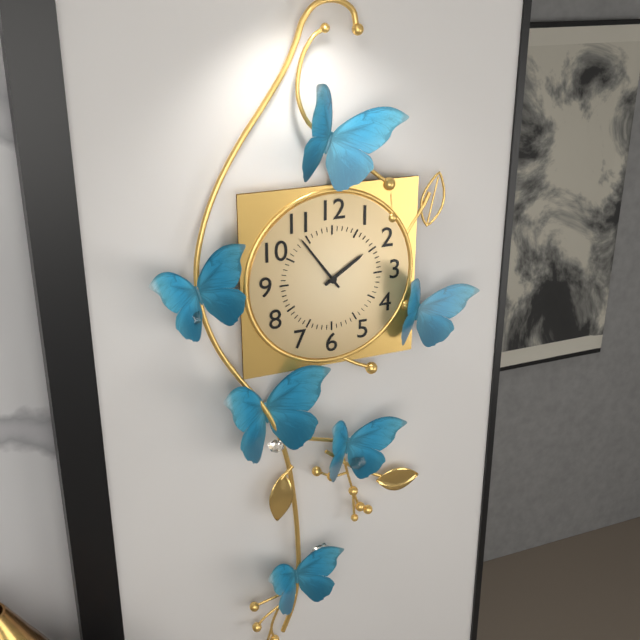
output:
1 h 54 min
